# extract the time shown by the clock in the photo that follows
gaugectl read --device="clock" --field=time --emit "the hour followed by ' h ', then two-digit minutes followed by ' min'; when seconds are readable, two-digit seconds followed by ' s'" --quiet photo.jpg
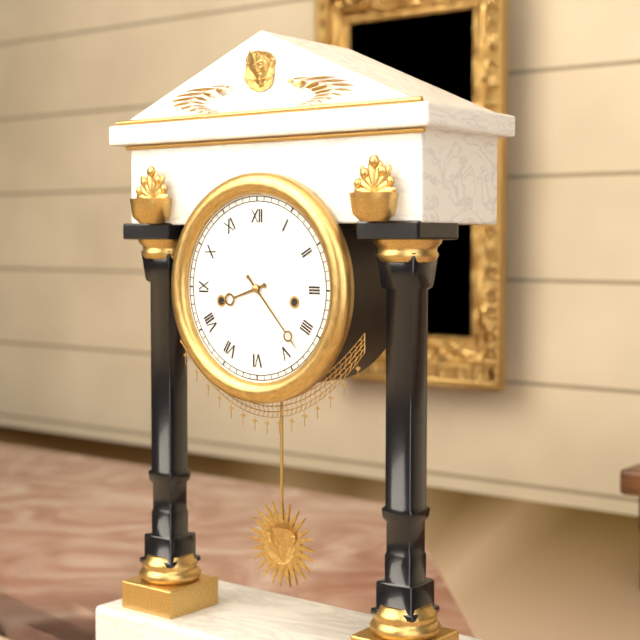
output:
8 h 23 min
